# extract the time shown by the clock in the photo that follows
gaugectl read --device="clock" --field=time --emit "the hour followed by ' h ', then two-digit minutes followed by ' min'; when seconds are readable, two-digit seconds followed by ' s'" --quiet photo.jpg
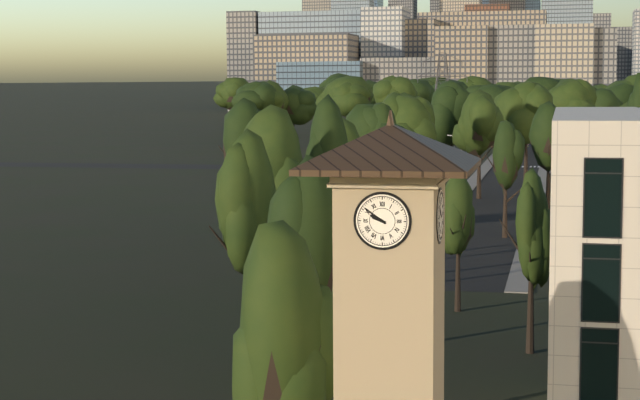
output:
9 h 51 min
